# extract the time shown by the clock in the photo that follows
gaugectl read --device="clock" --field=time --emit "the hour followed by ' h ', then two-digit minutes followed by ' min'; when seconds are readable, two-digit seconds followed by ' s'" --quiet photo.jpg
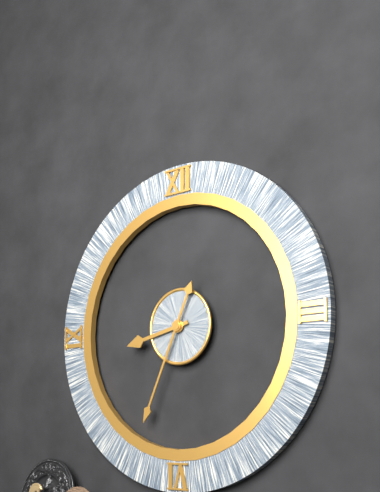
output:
8 h 34 min
